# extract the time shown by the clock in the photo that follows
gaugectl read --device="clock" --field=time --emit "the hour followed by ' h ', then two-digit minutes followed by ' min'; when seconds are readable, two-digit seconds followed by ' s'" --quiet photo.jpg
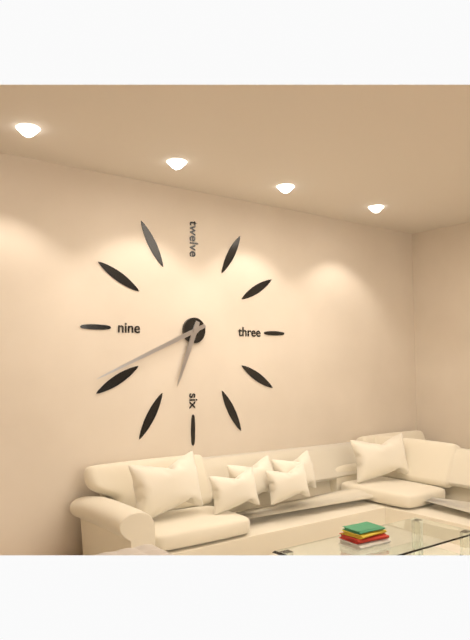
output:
6 h 41 min
